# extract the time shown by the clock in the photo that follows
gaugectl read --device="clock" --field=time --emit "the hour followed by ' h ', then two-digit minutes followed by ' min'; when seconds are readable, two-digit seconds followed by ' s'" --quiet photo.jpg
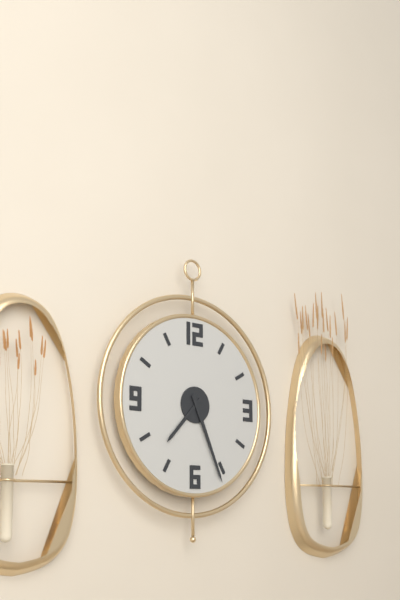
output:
7 h 26 min
